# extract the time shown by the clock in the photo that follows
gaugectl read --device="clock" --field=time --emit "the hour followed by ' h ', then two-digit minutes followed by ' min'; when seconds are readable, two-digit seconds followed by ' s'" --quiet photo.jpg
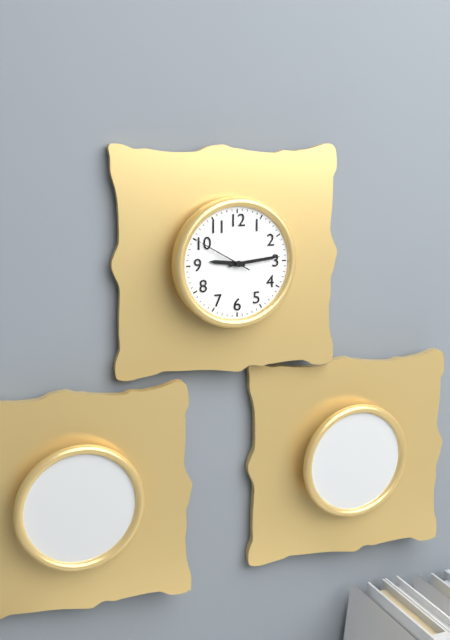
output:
9 h 14 min 50 s
